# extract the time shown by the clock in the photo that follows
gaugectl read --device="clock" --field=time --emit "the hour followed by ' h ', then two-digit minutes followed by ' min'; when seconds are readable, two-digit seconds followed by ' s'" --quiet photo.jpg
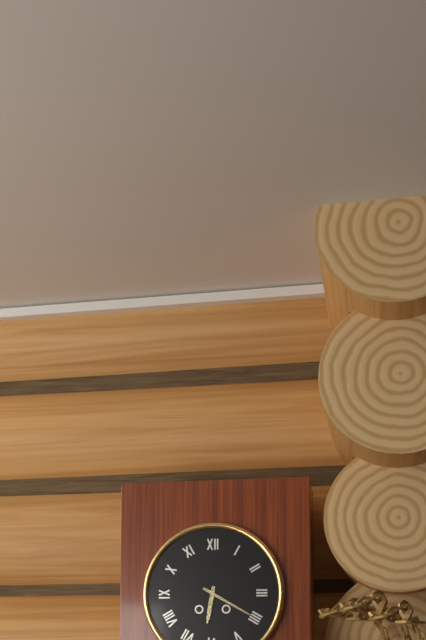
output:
6 h 20 min
